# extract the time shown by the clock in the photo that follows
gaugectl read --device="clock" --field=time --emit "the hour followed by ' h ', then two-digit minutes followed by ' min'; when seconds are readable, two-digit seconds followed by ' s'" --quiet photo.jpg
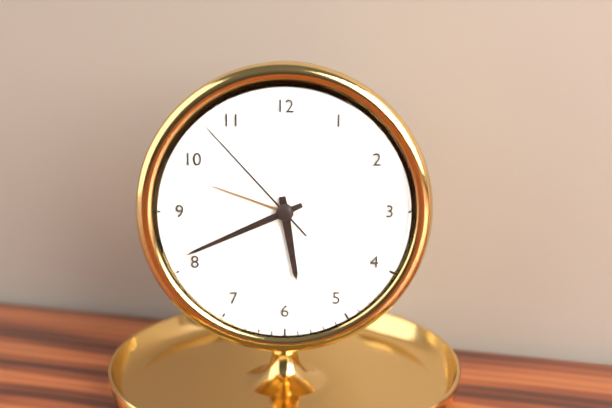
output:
5 h 41 min 53 s
